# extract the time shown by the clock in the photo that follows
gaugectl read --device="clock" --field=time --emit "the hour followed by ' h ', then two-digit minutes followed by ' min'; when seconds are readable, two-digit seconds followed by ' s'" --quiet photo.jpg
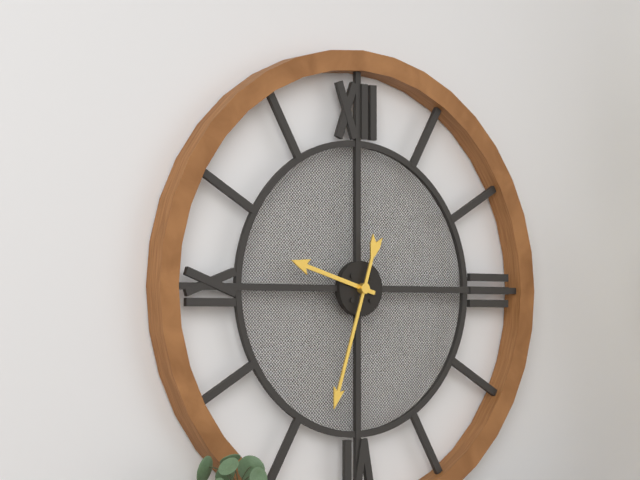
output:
9 h 33 min
